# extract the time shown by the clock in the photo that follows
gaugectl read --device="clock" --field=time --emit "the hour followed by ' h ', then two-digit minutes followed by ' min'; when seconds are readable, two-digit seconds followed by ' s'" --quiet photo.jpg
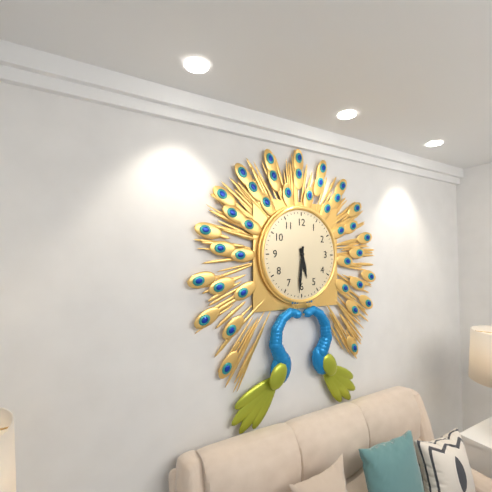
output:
5 h 31 min
